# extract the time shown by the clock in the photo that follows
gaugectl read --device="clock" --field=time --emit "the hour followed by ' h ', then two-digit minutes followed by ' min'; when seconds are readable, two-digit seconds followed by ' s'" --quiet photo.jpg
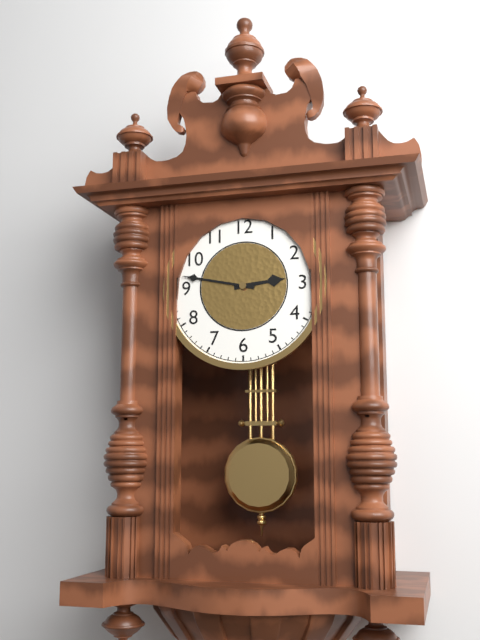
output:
2 h 47 min
